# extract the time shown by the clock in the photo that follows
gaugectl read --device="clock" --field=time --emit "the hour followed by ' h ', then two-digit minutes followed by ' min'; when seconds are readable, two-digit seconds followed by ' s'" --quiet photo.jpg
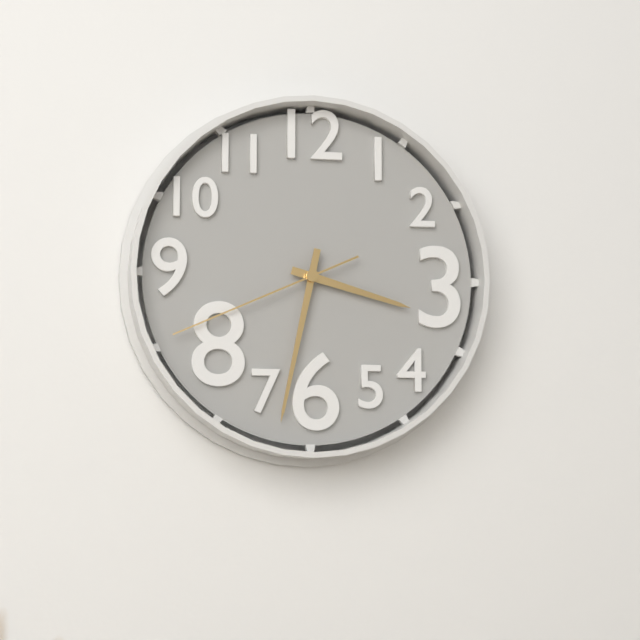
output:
3 h 32 min 41 s
